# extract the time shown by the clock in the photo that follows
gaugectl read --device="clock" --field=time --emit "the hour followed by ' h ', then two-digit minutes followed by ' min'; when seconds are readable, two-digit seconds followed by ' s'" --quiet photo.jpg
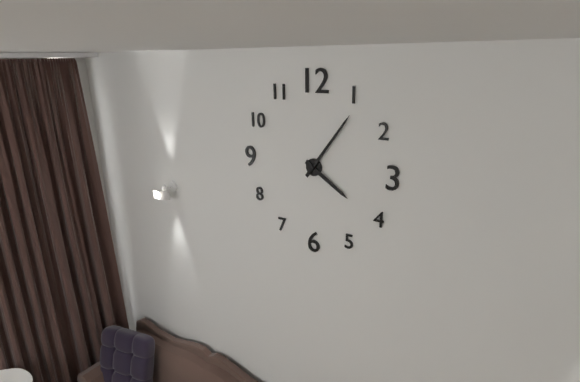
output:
4 h 06 min
